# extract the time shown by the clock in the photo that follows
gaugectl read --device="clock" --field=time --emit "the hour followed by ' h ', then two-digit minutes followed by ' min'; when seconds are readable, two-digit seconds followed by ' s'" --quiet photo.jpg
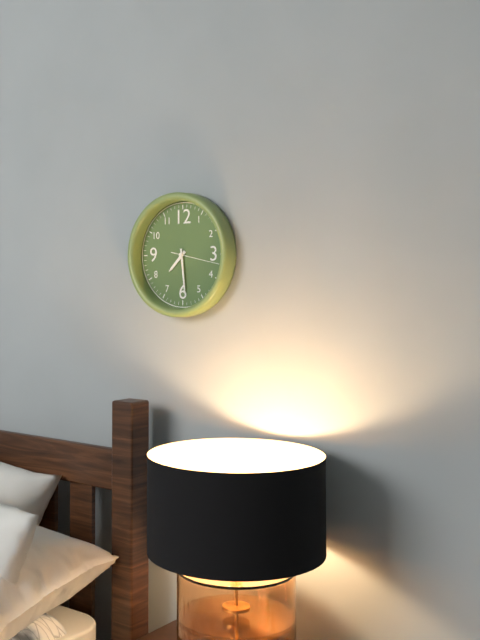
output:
7 h 29 min
